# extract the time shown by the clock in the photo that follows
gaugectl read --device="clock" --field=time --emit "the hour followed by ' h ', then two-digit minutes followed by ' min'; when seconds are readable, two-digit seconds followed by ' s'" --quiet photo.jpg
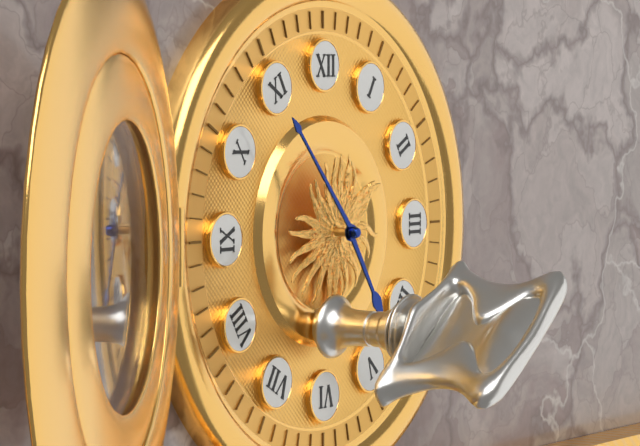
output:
4 h 53 min
